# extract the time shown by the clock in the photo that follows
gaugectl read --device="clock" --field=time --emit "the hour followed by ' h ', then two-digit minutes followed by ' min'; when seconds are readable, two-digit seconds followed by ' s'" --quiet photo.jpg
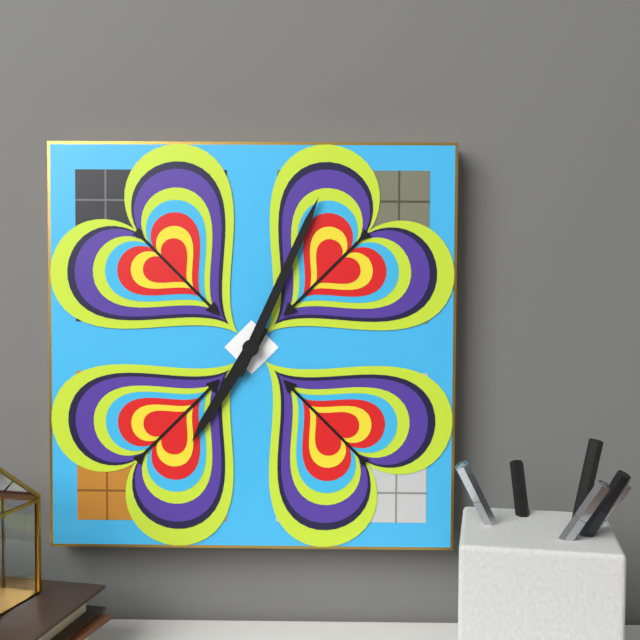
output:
7 h 04 min
